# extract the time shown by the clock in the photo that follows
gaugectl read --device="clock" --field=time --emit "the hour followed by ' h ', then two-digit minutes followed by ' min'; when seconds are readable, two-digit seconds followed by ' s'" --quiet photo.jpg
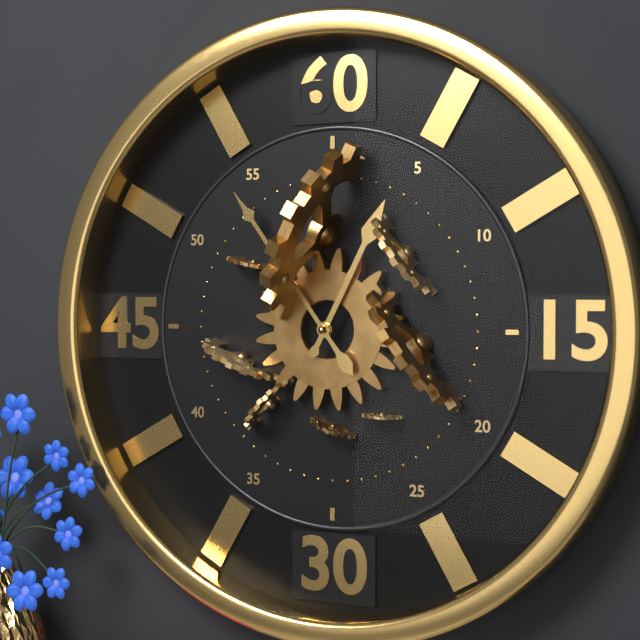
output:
12 h 54 min
